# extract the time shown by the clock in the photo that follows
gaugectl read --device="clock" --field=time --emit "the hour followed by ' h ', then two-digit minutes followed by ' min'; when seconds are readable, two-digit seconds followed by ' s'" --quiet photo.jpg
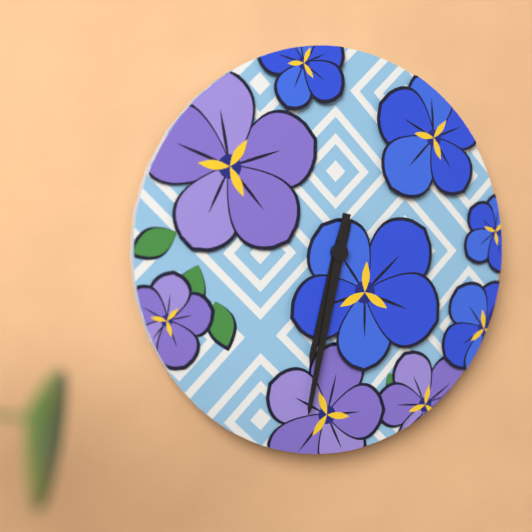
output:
6 h 32 min
